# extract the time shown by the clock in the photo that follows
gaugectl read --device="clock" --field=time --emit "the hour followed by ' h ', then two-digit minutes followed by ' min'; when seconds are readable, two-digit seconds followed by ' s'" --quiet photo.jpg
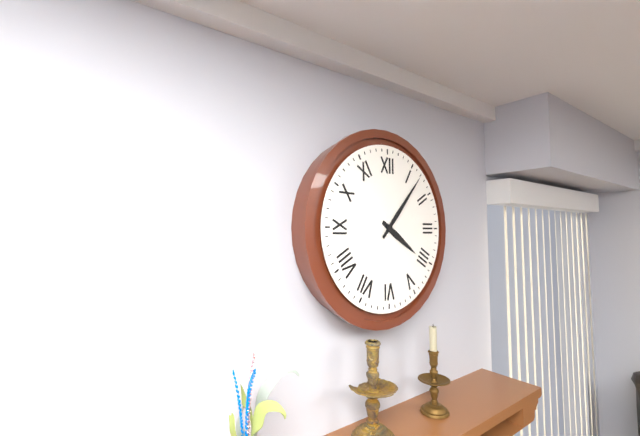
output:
4 h 07 min
